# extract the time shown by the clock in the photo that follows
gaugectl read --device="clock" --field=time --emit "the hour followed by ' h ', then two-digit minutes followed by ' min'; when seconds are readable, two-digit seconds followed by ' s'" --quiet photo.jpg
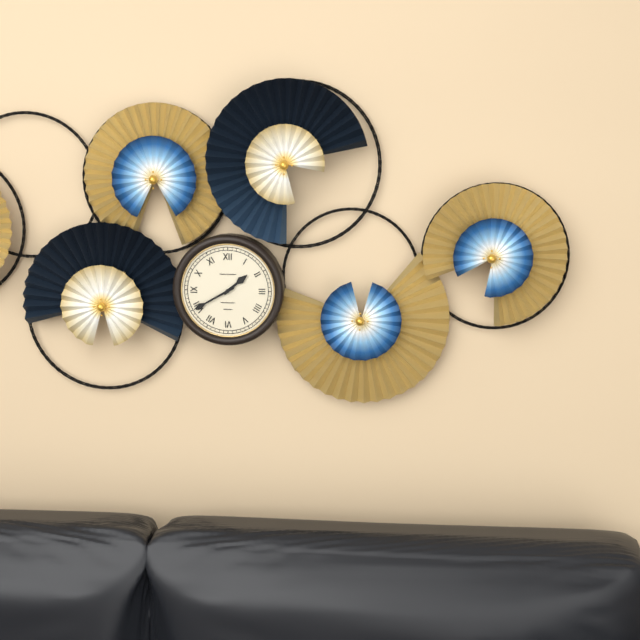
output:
1 h 40 min
